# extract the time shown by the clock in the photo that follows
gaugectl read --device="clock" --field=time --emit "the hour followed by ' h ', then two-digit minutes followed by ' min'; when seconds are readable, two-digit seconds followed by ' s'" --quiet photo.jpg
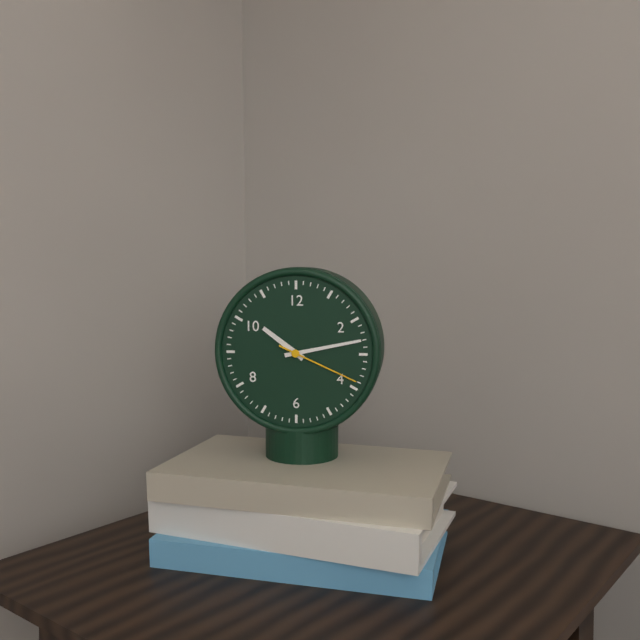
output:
10 h 13 min 19 s
